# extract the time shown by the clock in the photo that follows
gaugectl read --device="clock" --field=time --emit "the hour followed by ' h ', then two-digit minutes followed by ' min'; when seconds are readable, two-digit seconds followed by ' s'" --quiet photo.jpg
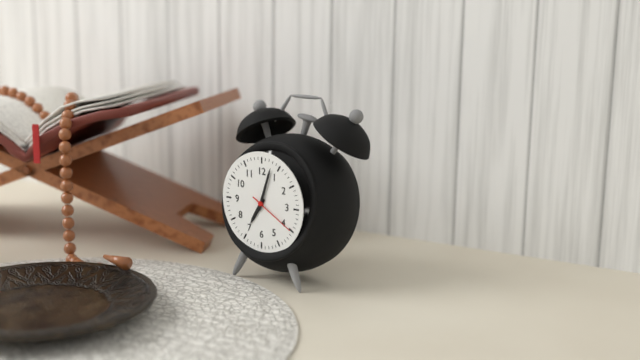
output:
7 h 03 min
